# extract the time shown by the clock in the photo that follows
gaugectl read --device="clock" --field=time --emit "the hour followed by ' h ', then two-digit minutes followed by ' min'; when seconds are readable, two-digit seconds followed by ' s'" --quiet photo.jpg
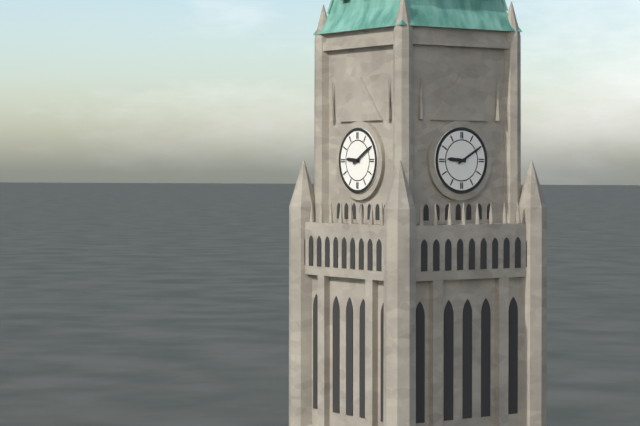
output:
9 h 10 min
